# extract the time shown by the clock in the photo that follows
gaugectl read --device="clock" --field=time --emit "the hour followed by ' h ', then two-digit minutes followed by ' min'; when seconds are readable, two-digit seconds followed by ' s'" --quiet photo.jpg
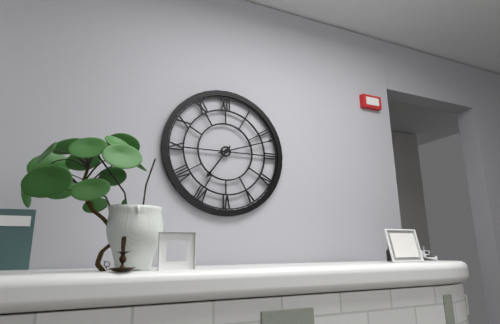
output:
7 h 12 min
